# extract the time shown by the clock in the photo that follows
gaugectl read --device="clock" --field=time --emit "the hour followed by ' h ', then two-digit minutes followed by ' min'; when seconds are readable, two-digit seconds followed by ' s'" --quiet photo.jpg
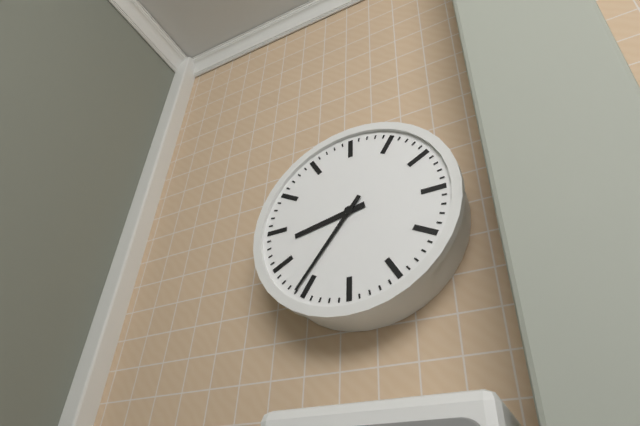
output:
8 h 36 min
